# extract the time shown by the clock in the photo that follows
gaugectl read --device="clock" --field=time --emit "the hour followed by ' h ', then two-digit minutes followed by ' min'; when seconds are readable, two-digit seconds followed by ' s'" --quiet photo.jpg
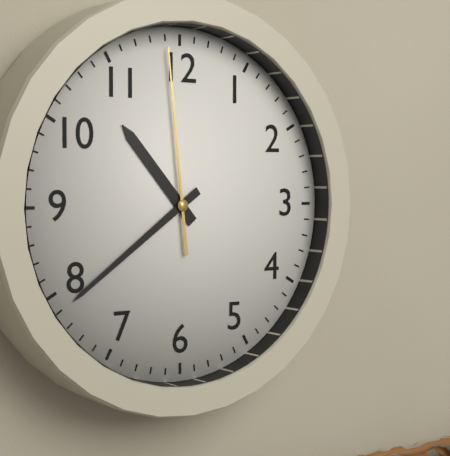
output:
10 h 39 min 59 s
